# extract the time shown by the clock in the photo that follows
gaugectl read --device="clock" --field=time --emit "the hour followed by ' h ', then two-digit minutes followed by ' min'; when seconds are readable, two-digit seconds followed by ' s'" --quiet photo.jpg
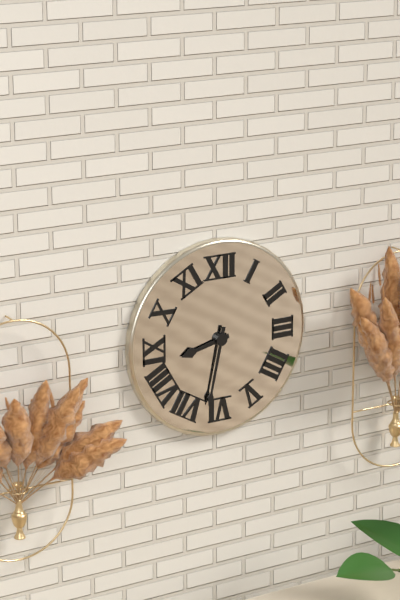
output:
8 h 32 min
